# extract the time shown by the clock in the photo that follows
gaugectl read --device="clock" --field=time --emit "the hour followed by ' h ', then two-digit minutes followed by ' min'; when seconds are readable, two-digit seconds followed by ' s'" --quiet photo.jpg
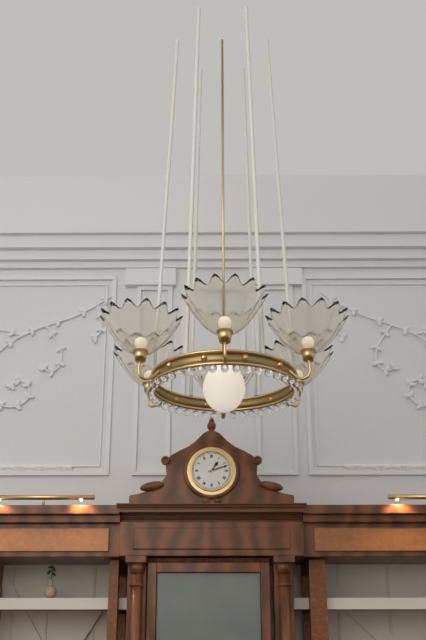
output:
1 h 12 min
